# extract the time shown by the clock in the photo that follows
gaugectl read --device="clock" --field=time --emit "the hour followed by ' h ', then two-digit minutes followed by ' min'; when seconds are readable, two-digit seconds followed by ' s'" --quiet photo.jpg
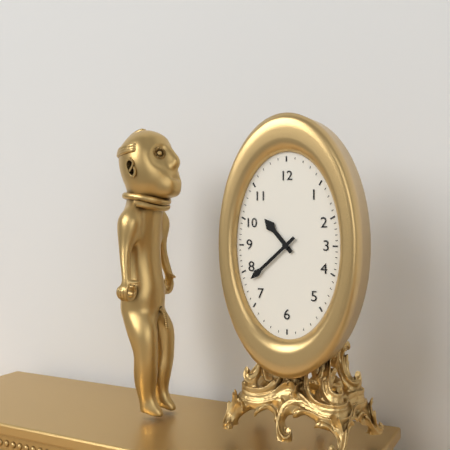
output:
10 h 38 min
